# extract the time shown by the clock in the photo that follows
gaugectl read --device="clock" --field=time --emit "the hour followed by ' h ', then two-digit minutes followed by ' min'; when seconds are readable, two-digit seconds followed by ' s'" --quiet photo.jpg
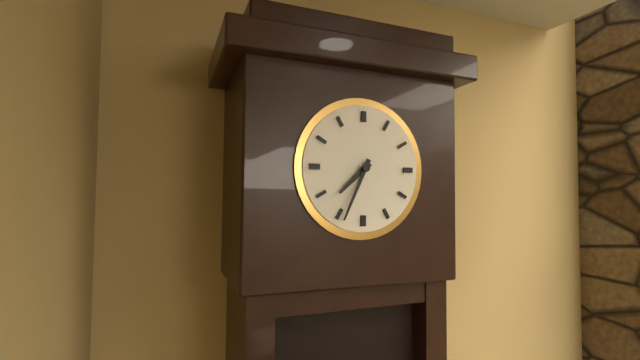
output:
7 h 34 min
